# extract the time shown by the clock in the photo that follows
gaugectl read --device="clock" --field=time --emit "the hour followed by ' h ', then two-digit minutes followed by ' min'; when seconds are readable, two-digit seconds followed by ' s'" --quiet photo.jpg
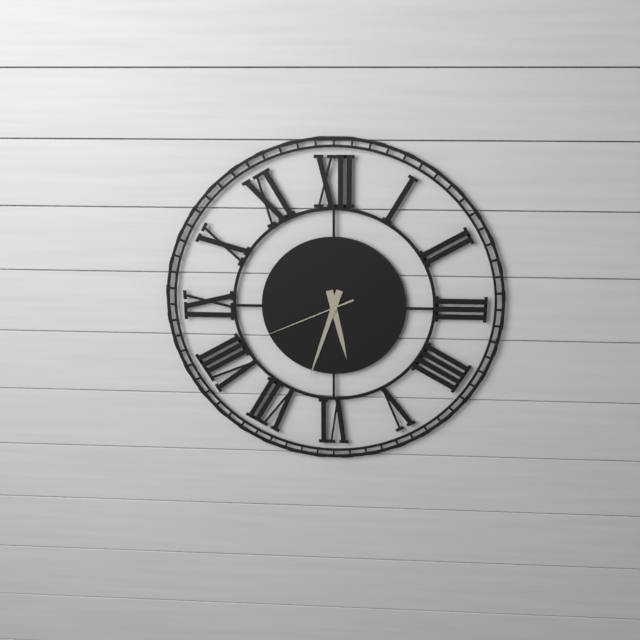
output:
5 h 33 min 41 s
